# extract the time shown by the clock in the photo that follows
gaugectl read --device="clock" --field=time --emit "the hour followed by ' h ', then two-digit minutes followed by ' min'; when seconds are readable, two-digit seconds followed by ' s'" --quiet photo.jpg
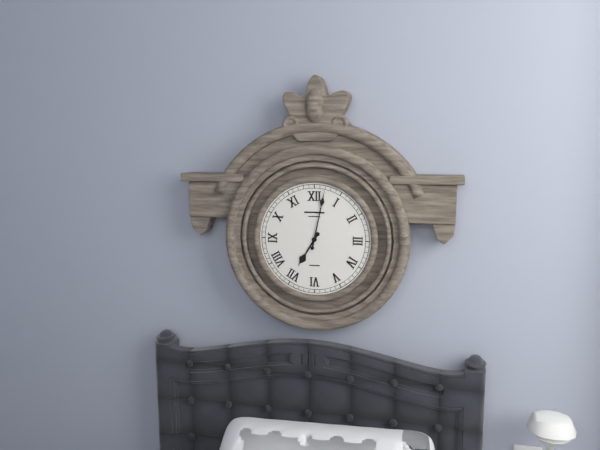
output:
7 h 02 min
